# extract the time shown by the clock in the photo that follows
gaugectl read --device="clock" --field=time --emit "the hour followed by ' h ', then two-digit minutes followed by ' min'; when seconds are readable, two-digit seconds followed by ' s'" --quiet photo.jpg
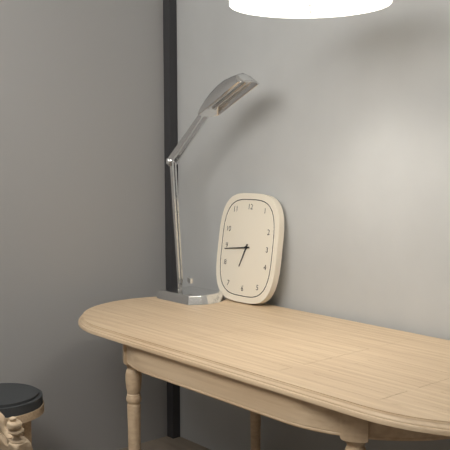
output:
6 h 44 min
